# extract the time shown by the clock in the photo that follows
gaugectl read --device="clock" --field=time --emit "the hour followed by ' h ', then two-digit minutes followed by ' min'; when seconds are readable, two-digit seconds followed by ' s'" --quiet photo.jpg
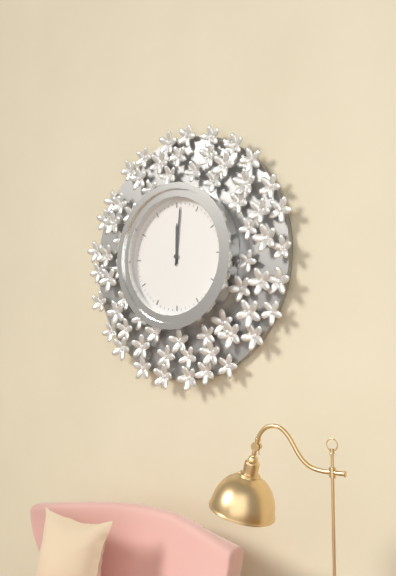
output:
12 h 01 min
